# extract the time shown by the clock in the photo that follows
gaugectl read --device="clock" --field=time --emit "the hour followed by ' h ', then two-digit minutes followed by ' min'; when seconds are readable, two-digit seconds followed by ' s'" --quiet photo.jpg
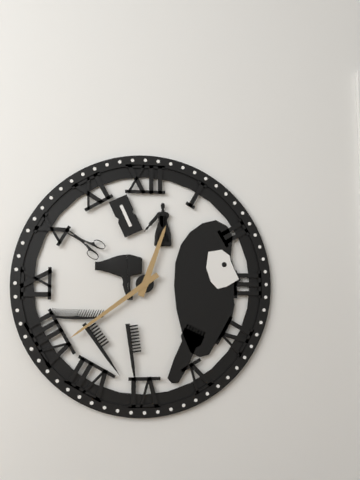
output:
12 h 39 min
